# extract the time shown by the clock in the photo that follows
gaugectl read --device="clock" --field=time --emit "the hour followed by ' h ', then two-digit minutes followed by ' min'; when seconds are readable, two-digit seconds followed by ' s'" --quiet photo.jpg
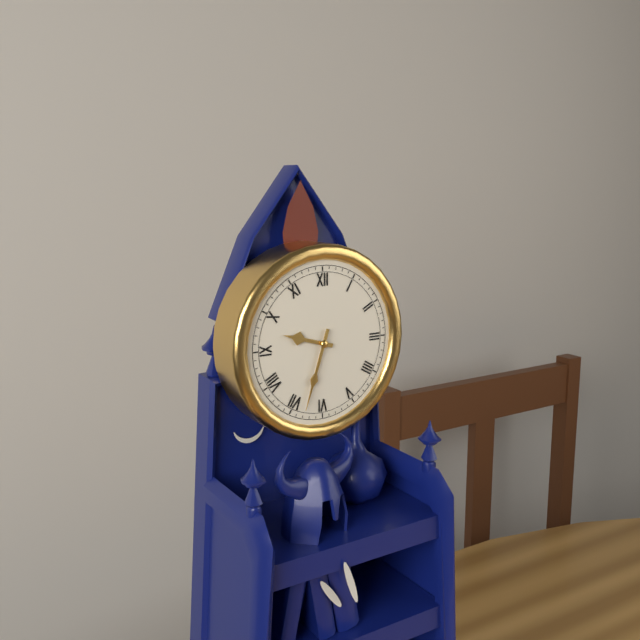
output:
9 h 33 min
